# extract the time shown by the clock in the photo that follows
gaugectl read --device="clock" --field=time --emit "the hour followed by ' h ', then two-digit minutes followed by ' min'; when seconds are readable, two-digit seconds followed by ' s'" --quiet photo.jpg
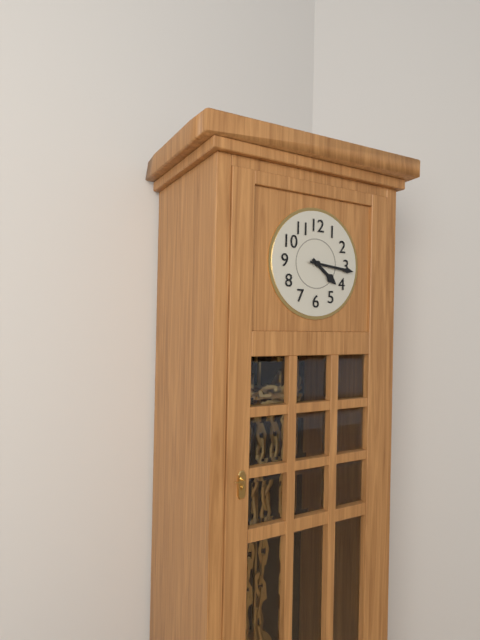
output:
4 h 16 min
